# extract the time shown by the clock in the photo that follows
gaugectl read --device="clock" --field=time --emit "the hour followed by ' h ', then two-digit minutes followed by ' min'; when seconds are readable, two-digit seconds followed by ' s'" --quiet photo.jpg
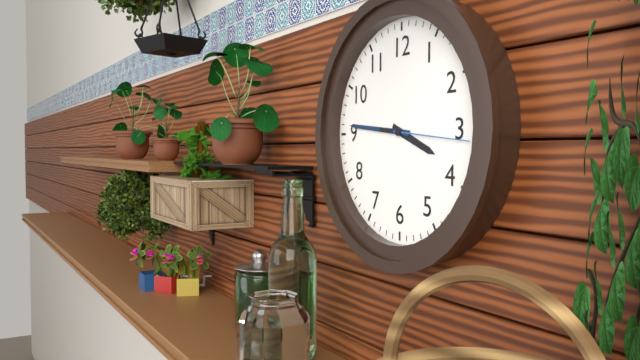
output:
3 h 46 min 16 s
